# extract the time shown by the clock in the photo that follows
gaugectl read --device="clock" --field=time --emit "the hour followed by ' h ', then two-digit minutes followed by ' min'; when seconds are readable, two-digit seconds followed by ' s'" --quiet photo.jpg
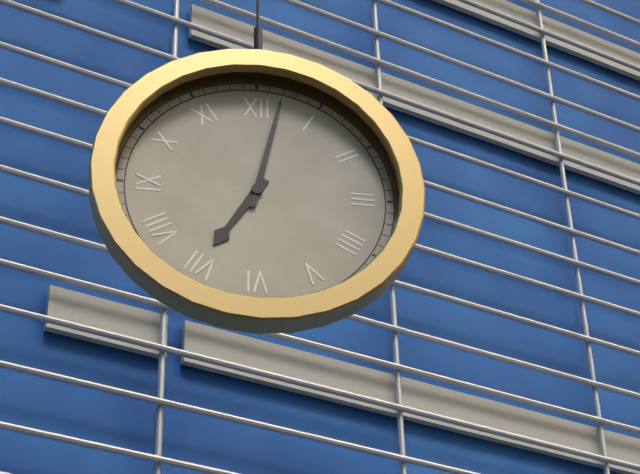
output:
7 h 02 min
